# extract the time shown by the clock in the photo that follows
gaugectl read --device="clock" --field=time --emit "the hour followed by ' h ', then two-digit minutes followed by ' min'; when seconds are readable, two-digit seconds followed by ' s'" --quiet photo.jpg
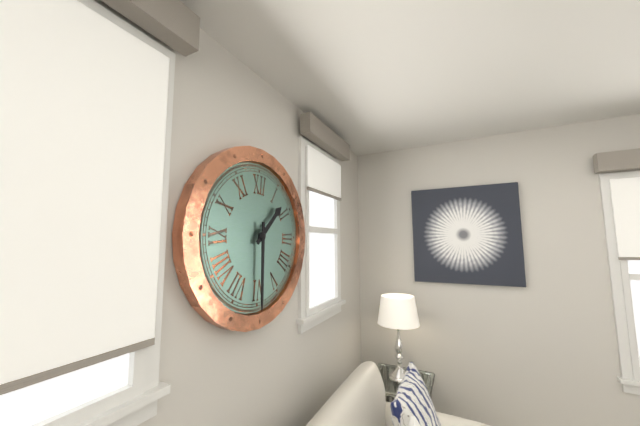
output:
1 h 30 min
